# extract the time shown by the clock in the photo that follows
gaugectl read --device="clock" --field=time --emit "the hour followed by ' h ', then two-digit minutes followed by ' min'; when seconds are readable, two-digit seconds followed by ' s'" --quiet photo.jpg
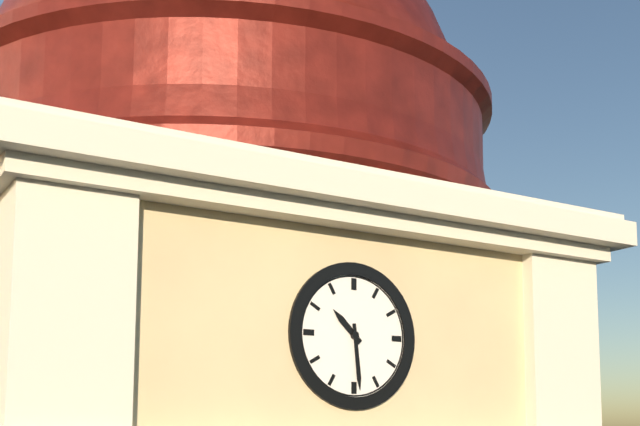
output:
10 h 29 min
